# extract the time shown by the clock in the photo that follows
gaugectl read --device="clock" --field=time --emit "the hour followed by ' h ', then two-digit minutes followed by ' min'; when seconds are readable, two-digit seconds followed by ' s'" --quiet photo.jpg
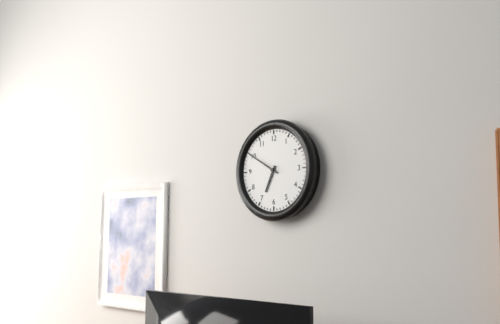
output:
6 h 50 min
